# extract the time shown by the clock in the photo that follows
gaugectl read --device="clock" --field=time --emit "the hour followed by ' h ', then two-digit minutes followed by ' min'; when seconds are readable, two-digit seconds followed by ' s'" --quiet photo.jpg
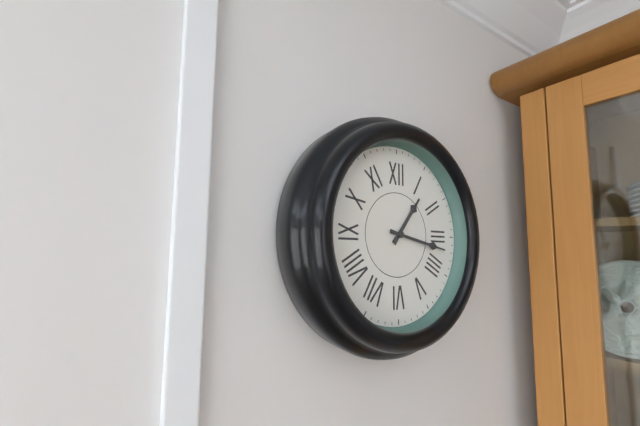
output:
1 h 17 min
